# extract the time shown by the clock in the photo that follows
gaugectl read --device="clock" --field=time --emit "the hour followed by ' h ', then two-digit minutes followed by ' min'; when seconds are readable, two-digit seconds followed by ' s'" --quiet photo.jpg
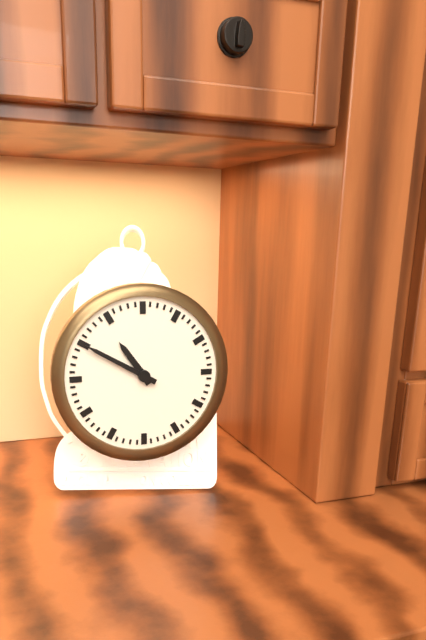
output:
10 h 50 min
